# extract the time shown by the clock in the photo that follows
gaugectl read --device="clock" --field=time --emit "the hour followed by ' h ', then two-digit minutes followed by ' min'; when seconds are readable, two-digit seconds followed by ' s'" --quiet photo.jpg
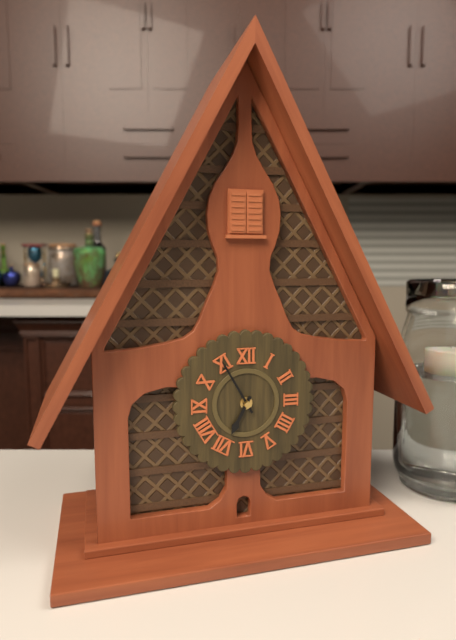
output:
6 h 55 min
